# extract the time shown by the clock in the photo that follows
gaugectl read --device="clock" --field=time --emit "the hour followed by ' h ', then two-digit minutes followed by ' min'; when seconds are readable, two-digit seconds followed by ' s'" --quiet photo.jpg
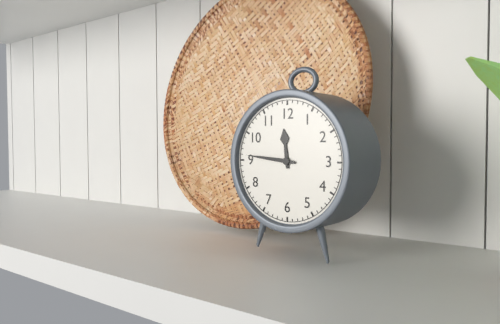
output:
11 h 46 min
